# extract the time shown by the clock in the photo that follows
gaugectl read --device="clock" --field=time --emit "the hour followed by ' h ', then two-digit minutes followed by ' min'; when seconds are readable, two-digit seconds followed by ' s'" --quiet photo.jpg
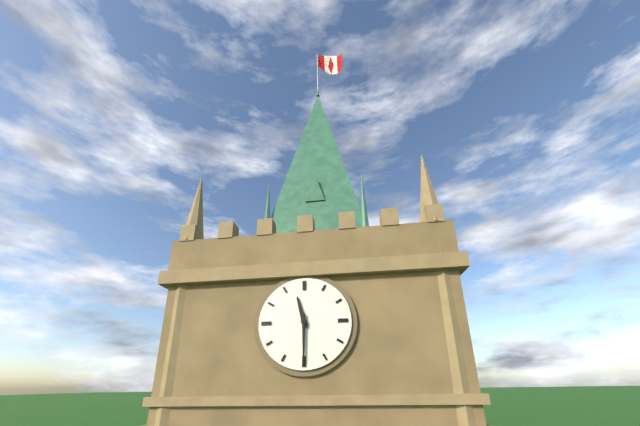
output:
11 h 30 min
